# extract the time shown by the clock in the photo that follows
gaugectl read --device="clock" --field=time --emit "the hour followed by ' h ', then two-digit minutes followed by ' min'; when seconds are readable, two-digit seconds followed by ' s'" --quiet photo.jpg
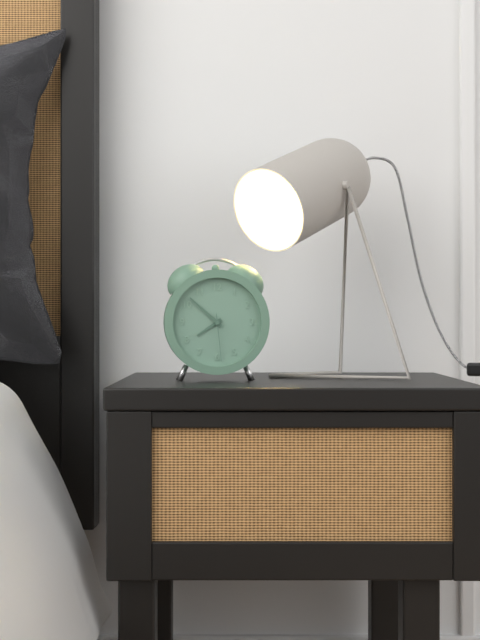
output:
7 h 52 min
